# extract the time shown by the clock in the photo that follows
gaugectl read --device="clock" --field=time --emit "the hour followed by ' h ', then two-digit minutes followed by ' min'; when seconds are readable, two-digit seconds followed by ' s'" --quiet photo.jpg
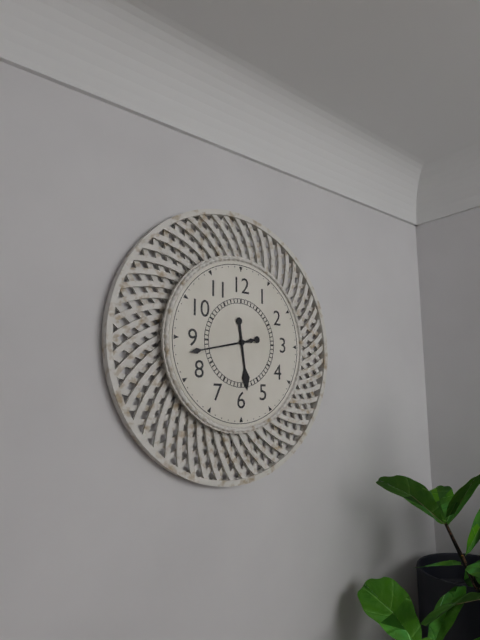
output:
5 h 43 min
